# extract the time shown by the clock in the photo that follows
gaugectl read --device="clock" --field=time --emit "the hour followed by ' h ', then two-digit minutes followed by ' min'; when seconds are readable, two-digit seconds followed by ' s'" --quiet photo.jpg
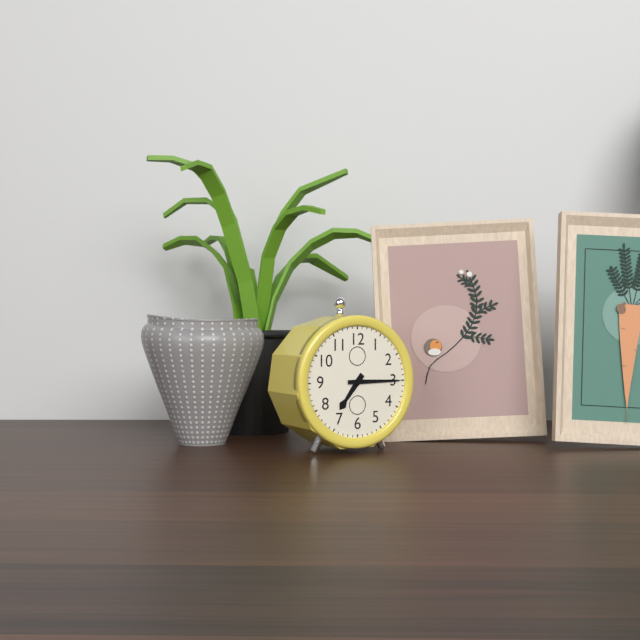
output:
7 h 15 min
